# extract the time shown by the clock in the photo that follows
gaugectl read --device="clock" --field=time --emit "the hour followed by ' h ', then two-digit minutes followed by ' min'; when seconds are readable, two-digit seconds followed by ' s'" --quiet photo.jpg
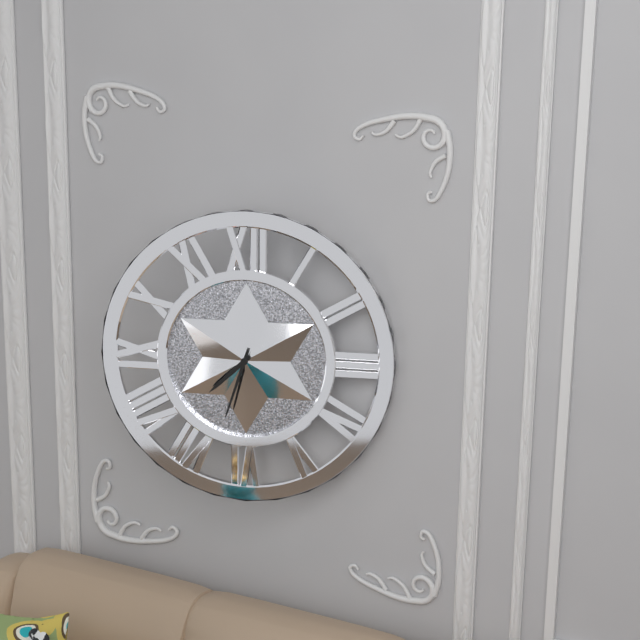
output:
7 h 33 min
